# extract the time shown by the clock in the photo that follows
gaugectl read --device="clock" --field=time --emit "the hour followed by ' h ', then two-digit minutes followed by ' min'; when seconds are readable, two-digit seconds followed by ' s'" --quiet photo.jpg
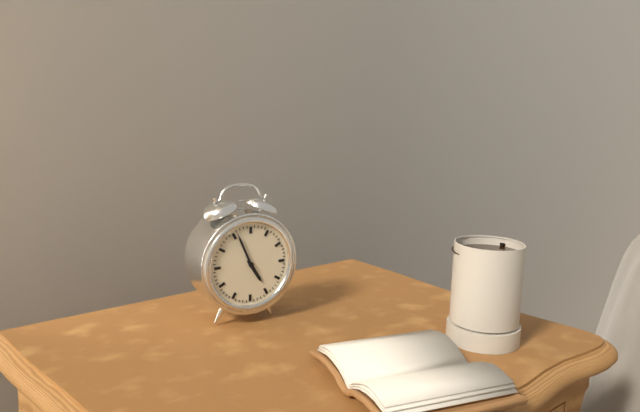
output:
4 h 56 min
